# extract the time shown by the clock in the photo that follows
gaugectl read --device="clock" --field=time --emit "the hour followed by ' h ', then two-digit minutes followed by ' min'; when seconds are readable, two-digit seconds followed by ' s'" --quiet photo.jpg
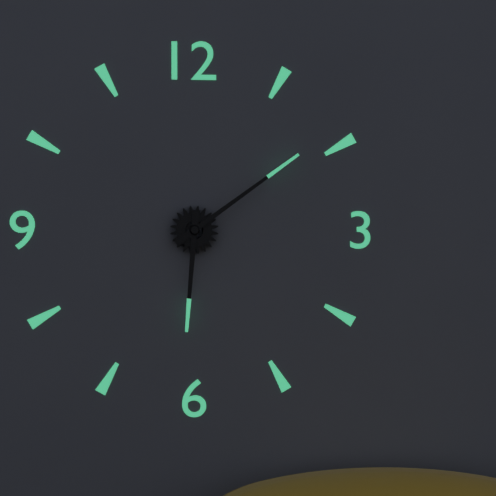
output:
6 h 09 min
